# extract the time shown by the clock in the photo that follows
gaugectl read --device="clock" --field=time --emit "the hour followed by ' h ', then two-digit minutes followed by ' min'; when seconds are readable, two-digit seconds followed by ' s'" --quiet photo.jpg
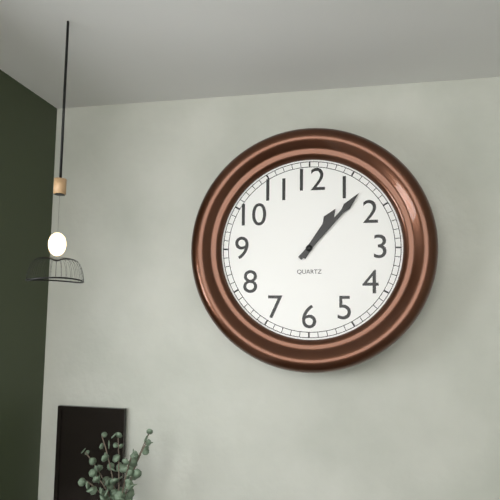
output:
1 h 07 min
